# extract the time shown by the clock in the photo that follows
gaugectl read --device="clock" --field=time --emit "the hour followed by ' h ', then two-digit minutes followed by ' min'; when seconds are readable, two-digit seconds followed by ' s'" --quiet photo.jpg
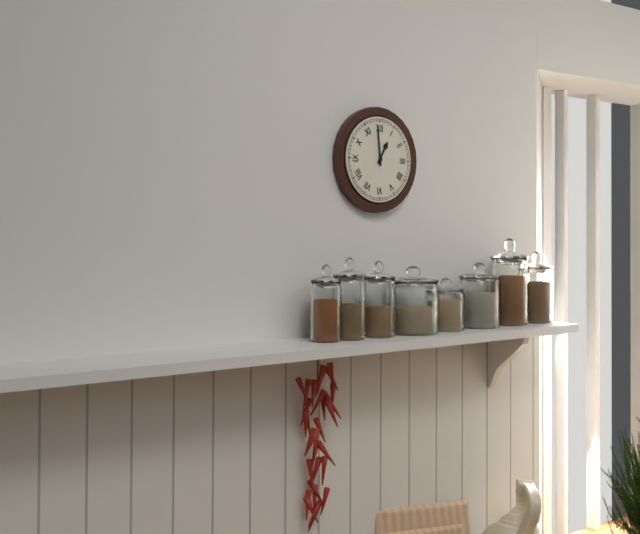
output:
12 h 59 min
